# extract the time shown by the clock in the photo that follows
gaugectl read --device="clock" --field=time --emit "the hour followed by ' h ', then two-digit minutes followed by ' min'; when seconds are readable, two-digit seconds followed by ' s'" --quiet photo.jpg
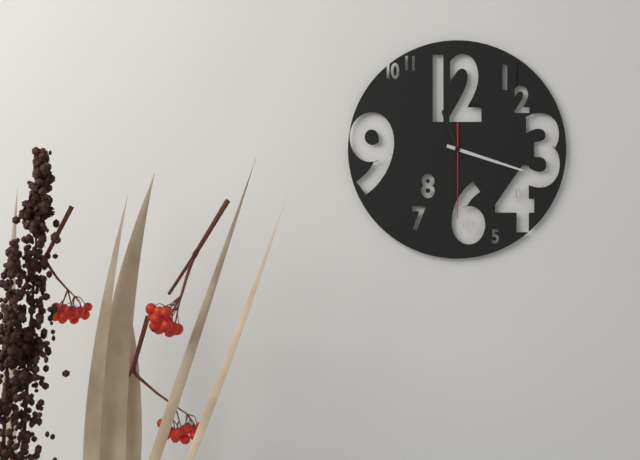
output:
11 h 18 min 30 s
